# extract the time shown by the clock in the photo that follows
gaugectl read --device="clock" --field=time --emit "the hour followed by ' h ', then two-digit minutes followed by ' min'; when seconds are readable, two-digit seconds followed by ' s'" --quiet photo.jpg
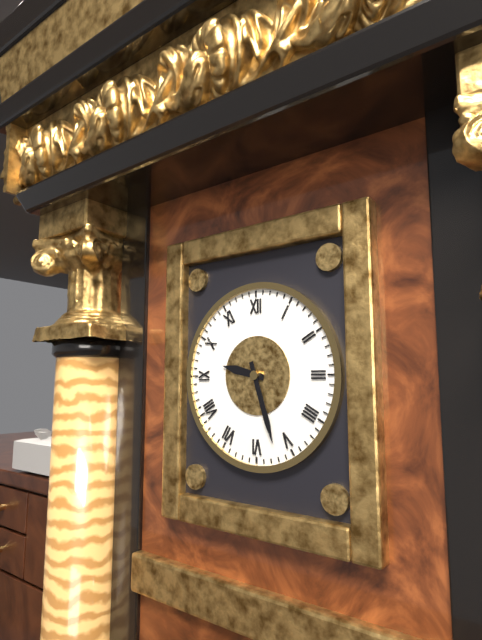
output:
9 h 27 min
